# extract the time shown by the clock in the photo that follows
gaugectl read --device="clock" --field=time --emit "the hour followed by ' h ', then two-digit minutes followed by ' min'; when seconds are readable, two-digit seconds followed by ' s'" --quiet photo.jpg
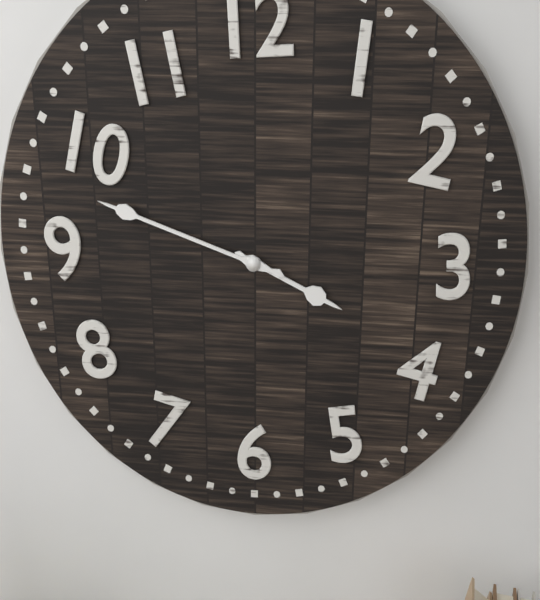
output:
3 h 48 min
